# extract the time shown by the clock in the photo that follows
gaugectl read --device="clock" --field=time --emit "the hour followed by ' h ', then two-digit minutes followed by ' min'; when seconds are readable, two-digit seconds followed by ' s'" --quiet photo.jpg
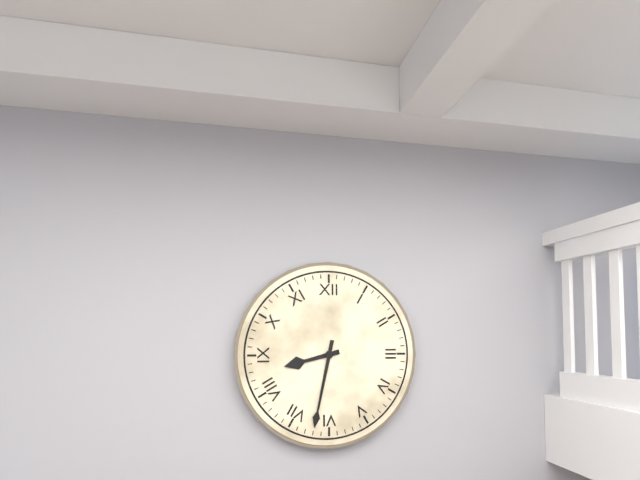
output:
8 h 32 min
